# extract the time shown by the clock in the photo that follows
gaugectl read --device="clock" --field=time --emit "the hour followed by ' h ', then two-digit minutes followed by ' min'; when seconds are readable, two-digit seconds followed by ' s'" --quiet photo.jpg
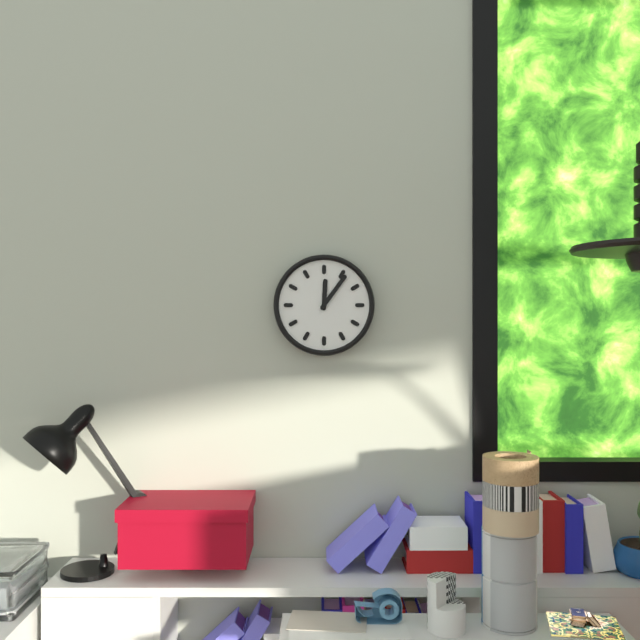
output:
12 h 06 min
